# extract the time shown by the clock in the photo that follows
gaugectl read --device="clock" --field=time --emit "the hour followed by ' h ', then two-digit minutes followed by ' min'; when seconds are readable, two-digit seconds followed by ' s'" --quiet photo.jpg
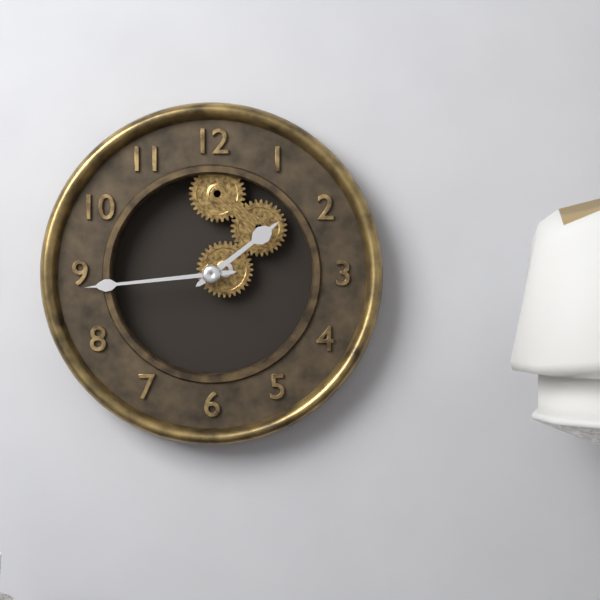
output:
1 h 44 min
